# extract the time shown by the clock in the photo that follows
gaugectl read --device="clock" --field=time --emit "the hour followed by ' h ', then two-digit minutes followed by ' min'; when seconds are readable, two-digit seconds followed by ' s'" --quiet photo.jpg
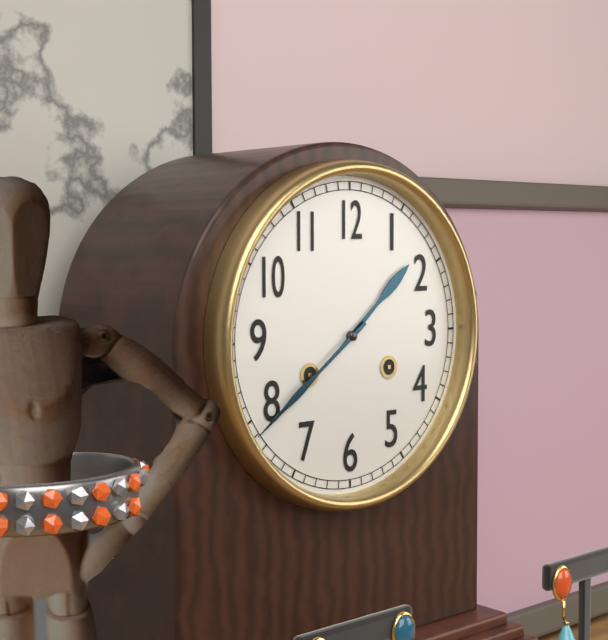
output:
1 h 39 min
